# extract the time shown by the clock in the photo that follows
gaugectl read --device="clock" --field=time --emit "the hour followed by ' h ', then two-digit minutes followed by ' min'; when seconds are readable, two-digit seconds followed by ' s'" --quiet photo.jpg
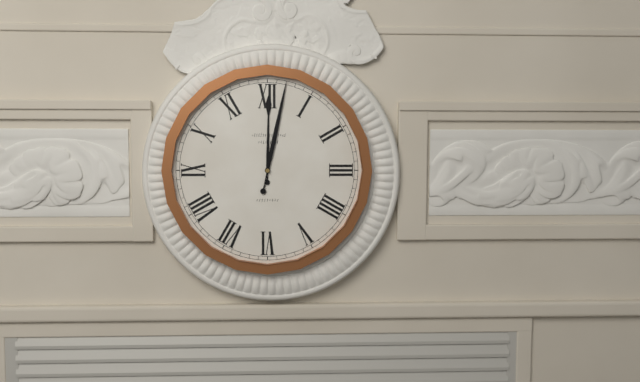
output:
12 h 02 min
